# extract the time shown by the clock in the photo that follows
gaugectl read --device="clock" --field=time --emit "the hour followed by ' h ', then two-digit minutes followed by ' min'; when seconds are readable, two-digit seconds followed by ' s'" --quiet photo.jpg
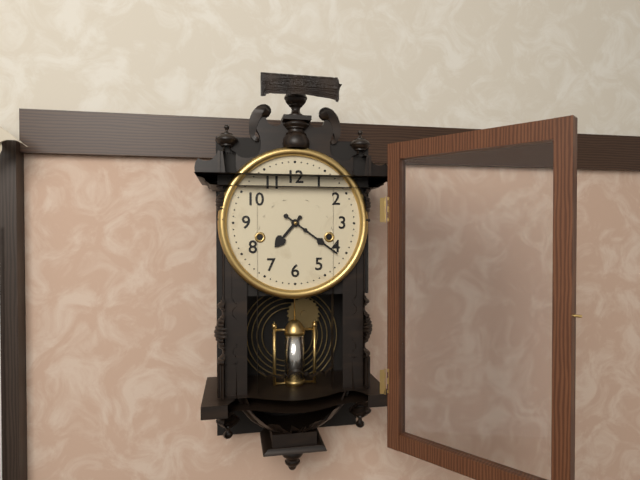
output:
7 h 21 min
